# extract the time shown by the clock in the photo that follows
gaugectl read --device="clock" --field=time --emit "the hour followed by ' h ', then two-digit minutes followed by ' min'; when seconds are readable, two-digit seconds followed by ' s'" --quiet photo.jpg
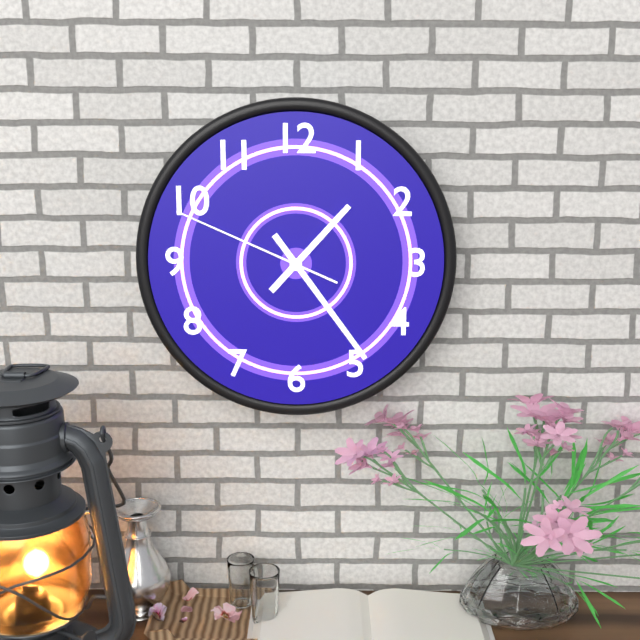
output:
1 h 24 min 49 s
